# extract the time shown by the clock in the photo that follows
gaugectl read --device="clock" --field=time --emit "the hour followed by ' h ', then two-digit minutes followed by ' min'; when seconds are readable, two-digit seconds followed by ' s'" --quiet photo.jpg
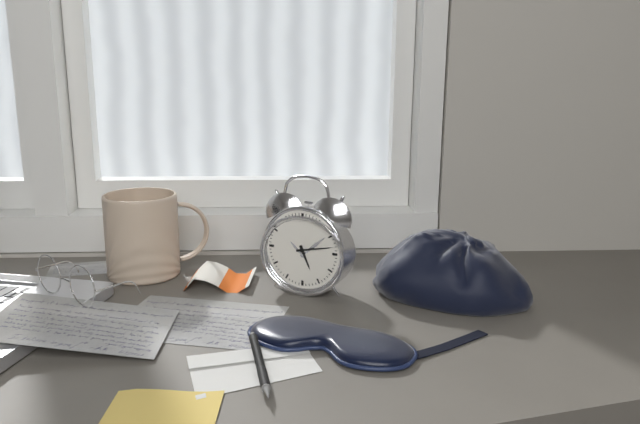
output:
5 h 13 min
